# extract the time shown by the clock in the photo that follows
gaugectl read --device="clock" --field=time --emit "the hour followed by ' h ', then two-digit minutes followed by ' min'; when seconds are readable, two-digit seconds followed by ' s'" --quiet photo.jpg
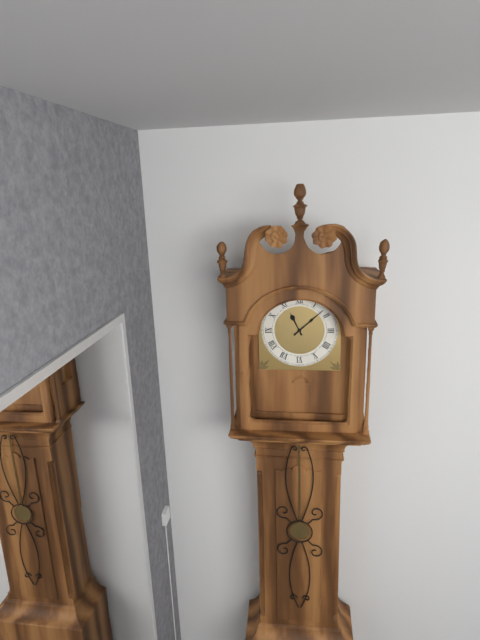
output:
11 h 08 min
